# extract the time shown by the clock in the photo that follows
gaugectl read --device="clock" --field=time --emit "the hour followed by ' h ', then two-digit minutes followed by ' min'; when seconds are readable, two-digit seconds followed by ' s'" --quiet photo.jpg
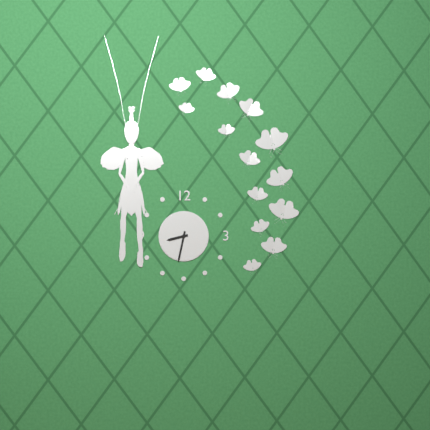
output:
8 h 32 min
